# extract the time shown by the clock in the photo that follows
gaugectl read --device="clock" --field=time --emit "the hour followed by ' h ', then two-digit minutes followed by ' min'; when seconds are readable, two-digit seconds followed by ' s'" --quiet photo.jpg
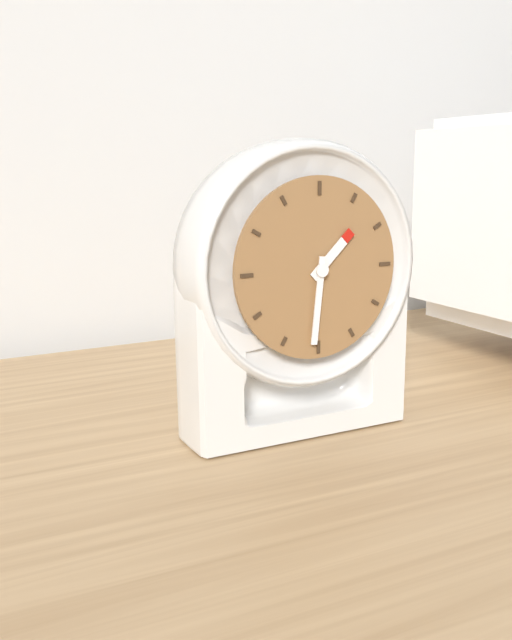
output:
1 h 31 min
